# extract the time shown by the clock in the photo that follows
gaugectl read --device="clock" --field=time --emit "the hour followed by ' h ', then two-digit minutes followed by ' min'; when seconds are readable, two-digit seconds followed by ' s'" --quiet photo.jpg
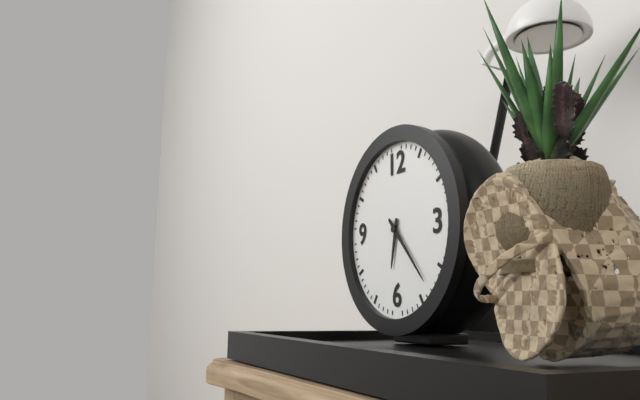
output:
6 h 23 min
